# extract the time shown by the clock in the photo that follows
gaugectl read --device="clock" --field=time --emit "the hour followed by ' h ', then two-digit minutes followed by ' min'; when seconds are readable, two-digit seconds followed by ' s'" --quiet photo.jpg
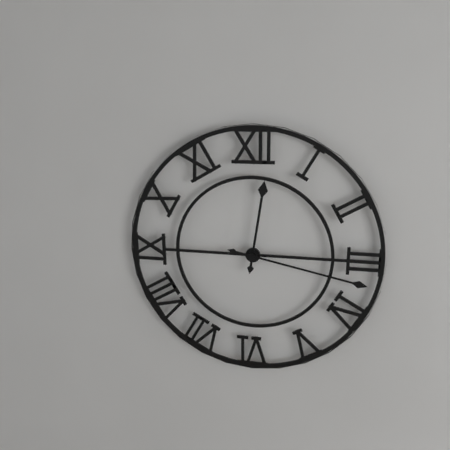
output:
12 h 17 min
